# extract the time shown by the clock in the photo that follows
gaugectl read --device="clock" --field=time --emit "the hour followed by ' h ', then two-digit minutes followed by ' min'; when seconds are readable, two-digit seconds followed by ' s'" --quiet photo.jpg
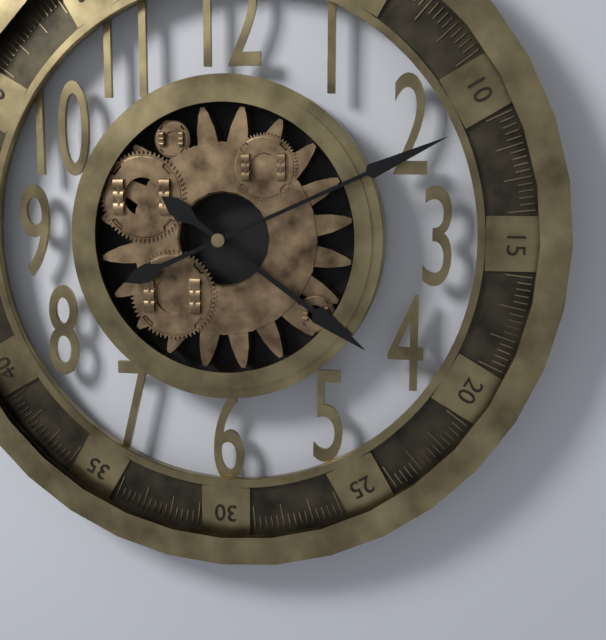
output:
4 h 11 min
